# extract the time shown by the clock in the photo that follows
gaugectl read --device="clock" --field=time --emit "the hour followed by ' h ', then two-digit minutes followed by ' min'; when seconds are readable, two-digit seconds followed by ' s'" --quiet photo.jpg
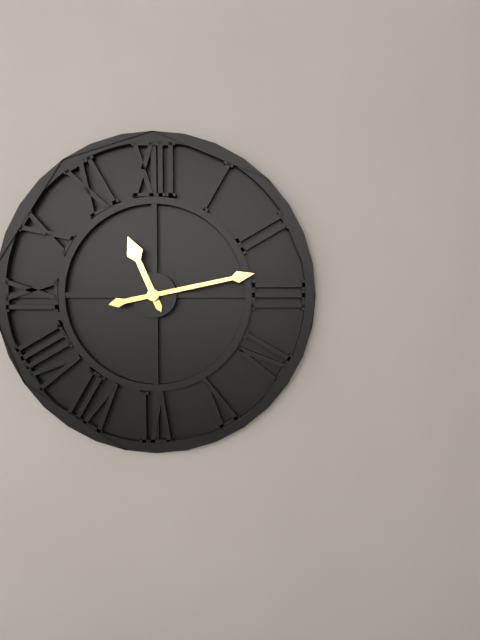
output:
11 h 13 min
